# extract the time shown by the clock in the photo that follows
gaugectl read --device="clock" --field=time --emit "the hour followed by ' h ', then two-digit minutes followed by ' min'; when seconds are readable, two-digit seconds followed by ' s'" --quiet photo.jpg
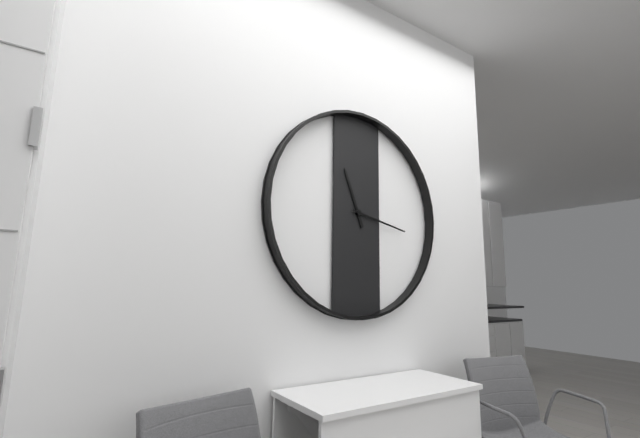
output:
11 h 17 min
